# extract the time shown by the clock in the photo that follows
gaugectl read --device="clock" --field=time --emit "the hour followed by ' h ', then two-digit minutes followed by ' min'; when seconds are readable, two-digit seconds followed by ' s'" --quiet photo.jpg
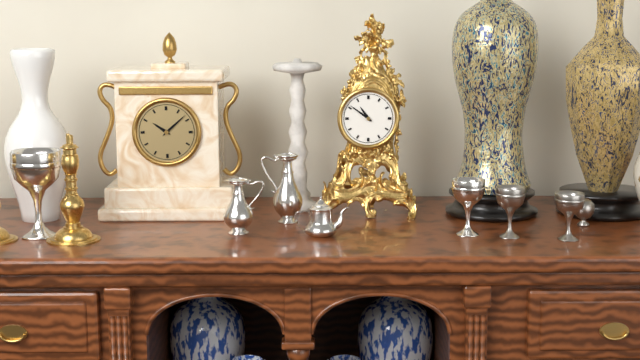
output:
10 h 51 min
